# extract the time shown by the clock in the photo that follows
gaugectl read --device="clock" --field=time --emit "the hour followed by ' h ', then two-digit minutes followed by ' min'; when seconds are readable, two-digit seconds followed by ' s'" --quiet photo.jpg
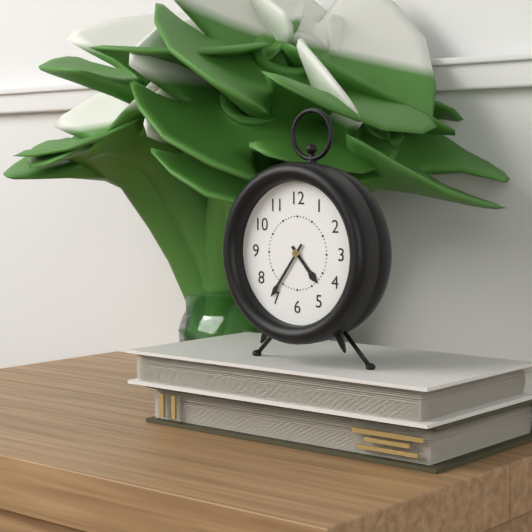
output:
4 h 36 min
